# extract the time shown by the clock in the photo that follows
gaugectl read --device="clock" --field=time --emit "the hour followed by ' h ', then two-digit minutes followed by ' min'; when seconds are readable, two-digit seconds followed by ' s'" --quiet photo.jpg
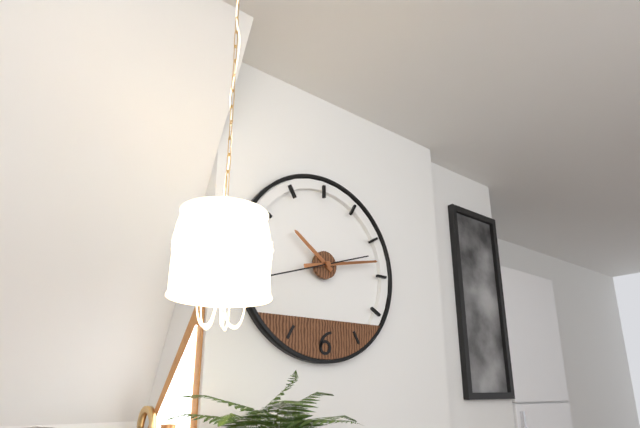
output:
10 h 13 min 42 s
